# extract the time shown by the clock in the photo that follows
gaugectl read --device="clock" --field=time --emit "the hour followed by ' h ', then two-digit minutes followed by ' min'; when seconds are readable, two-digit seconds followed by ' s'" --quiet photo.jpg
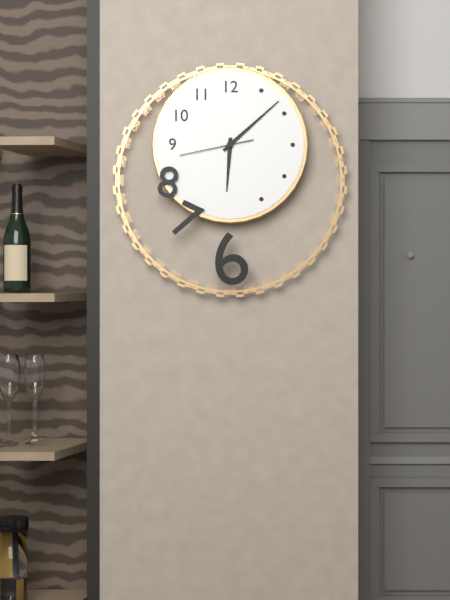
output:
6 h 08 min 43 s
